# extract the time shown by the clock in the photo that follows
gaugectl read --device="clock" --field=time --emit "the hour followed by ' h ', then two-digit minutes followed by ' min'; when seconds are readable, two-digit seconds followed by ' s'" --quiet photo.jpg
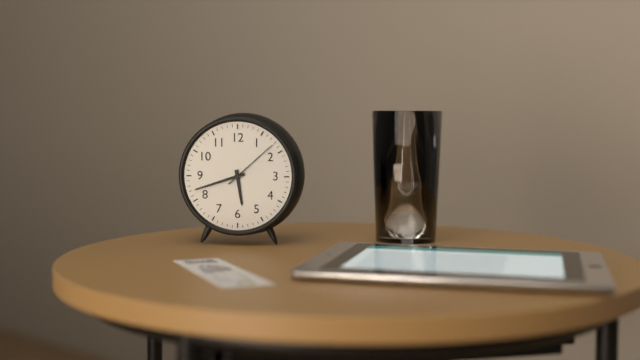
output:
5 h 42 min 08 s
